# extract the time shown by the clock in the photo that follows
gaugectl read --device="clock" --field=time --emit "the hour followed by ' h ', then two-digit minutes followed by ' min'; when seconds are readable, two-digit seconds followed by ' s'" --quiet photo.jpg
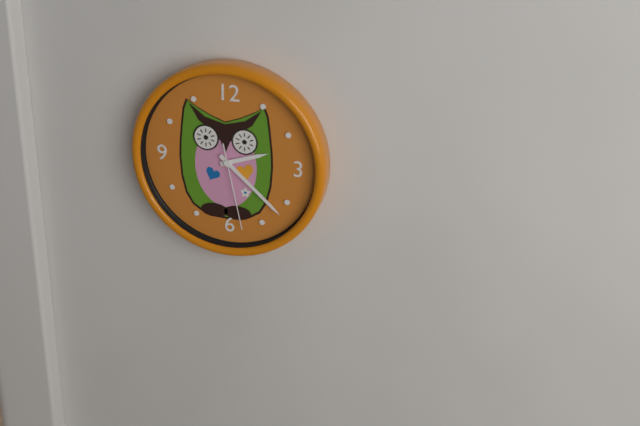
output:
2 h 22 min 28 s
